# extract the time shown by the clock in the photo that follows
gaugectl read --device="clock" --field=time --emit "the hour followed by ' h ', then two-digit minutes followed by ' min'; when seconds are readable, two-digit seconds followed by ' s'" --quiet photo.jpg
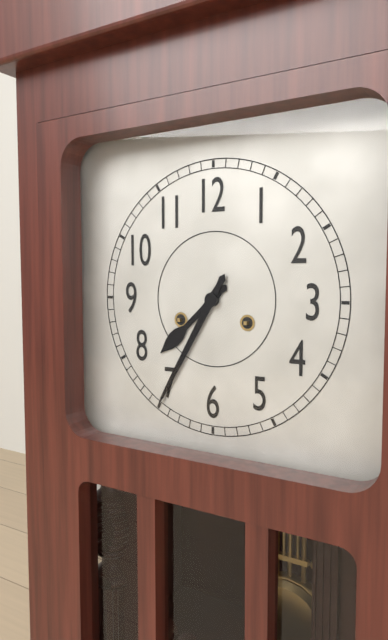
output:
7 h 35 min
